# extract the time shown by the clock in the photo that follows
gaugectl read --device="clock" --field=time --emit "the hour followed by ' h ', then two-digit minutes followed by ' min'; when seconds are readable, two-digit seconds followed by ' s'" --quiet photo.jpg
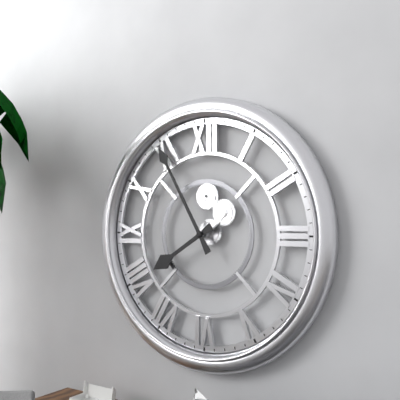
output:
7 h 55 min
